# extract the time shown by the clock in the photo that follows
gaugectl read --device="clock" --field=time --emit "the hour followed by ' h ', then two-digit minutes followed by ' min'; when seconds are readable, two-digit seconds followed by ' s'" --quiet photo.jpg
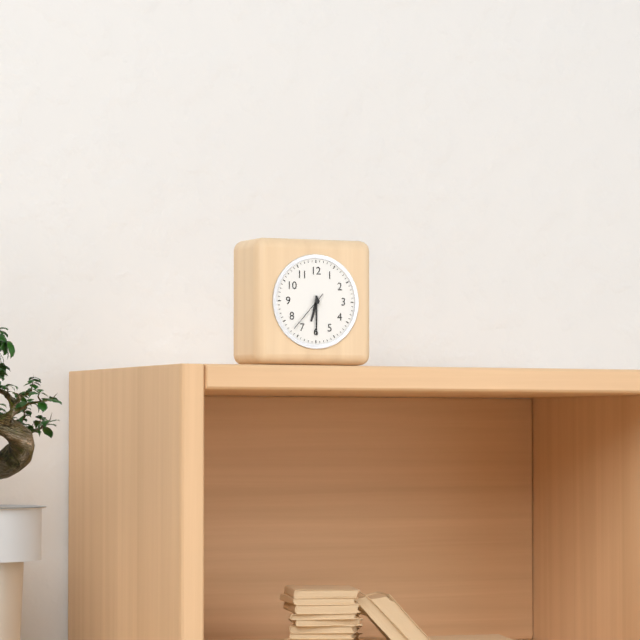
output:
6 h 30 min
